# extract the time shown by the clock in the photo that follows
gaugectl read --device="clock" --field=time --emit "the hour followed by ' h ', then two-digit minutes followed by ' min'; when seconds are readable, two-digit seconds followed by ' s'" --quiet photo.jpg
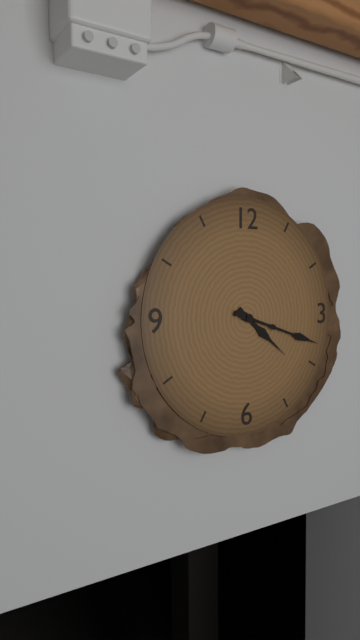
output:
4 h 18 min
